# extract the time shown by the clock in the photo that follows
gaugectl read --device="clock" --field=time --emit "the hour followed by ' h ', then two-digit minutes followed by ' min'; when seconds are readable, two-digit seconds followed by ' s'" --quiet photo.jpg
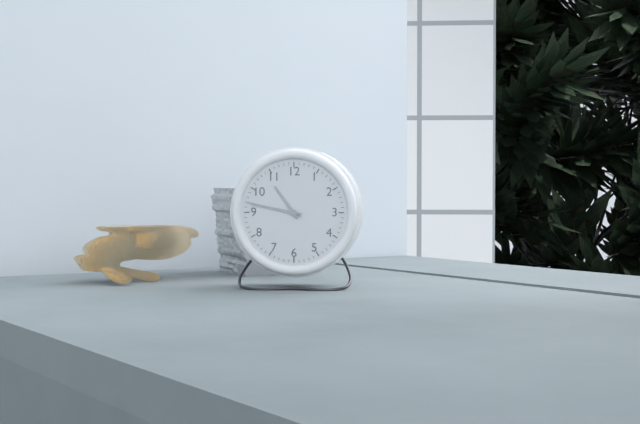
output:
10 h 47 min
